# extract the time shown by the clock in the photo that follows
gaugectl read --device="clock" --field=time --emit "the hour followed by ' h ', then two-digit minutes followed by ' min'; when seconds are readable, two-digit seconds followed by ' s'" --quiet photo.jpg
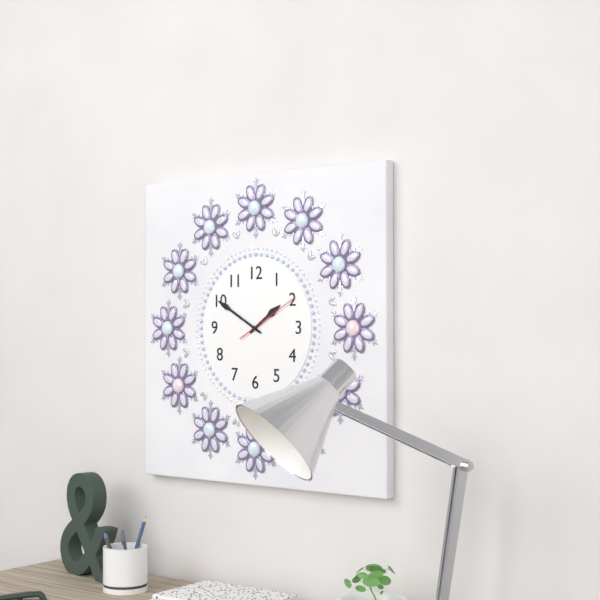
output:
1 h 50 min 10 s
